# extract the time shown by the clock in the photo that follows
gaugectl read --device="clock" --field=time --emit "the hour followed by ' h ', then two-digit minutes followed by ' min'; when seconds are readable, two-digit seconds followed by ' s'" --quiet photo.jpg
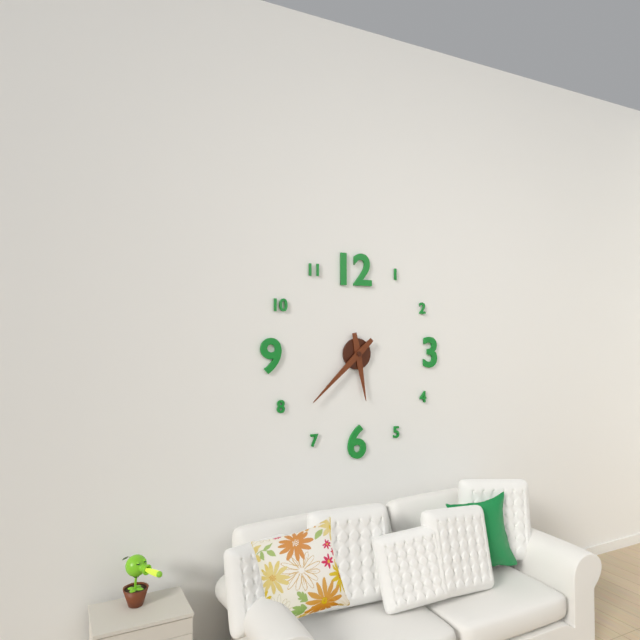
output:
5 h 38 min
